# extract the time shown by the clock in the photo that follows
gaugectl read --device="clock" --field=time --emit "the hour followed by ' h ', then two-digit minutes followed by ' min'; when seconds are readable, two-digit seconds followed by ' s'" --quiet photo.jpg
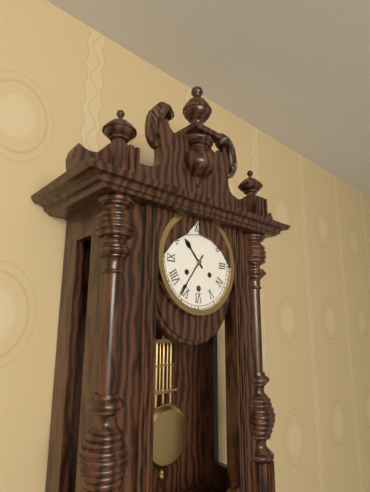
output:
10 h 36 min
